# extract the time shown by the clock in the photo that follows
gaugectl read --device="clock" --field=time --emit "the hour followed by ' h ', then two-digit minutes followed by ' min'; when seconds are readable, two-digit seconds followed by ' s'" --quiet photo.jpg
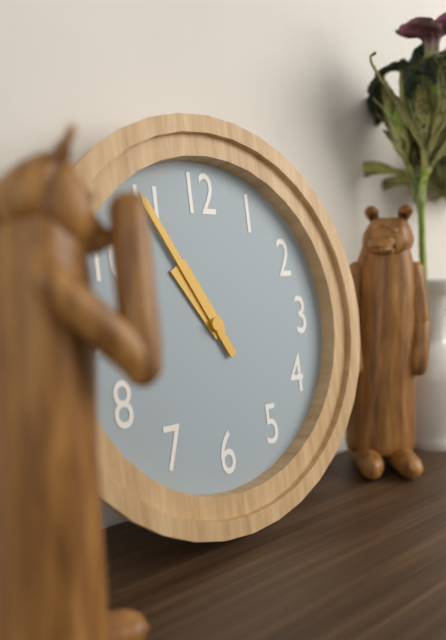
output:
10 h 55 min
